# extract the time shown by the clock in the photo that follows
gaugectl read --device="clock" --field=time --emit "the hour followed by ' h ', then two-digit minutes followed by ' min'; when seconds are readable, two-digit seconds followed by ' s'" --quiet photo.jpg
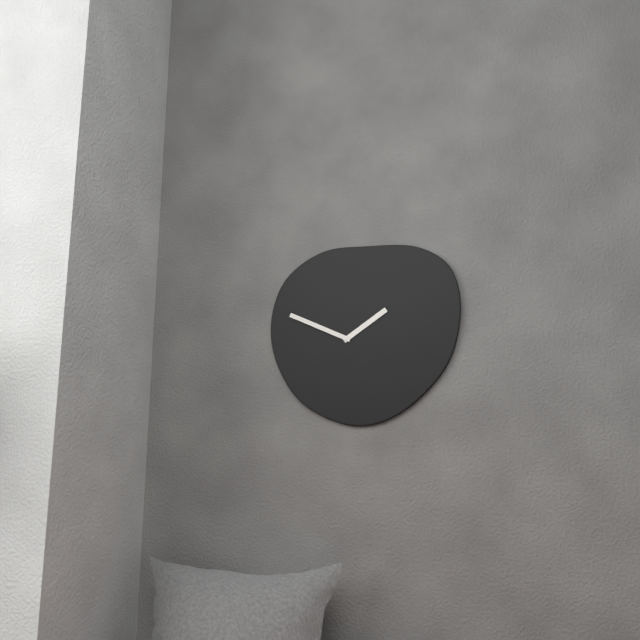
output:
1 h 49 min
